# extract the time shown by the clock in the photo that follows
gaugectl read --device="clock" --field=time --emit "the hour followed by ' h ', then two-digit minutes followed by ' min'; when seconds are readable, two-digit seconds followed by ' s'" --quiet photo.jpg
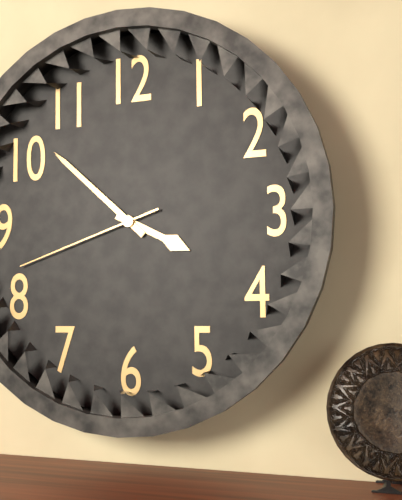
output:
3 h 52 min 42 s
